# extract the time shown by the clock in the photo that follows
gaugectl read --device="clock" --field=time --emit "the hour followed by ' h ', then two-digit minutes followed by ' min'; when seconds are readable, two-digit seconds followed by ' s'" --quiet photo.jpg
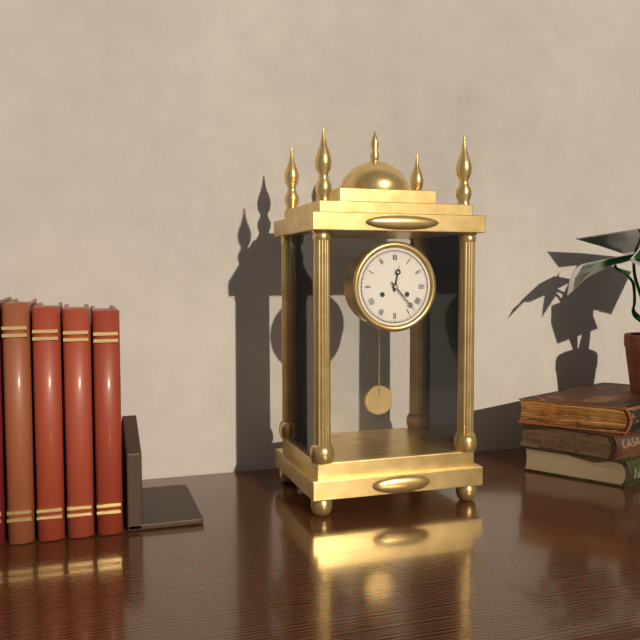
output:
12 h 23 min
